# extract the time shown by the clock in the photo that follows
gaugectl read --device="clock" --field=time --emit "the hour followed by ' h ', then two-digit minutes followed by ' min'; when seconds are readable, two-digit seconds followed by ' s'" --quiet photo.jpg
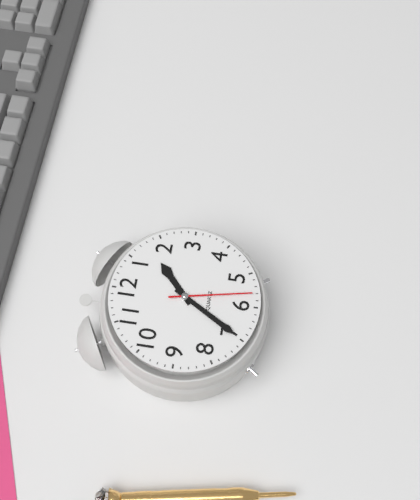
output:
1 h 35 min 28 s
